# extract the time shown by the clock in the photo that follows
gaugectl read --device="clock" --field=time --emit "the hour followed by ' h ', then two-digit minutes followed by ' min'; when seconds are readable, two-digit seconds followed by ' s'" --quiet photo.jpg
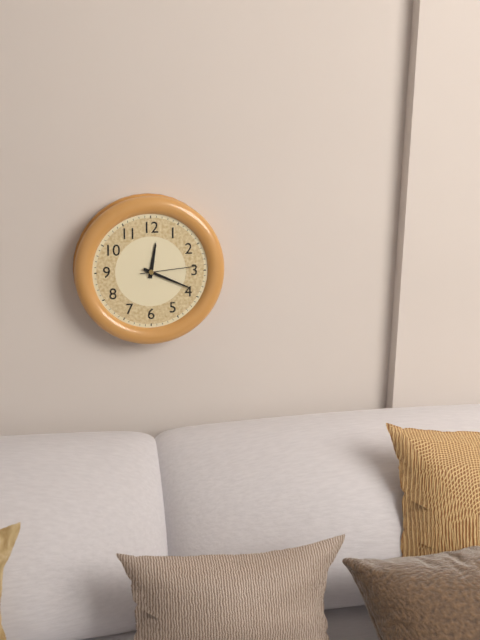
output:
12 h 19 min 14 s
